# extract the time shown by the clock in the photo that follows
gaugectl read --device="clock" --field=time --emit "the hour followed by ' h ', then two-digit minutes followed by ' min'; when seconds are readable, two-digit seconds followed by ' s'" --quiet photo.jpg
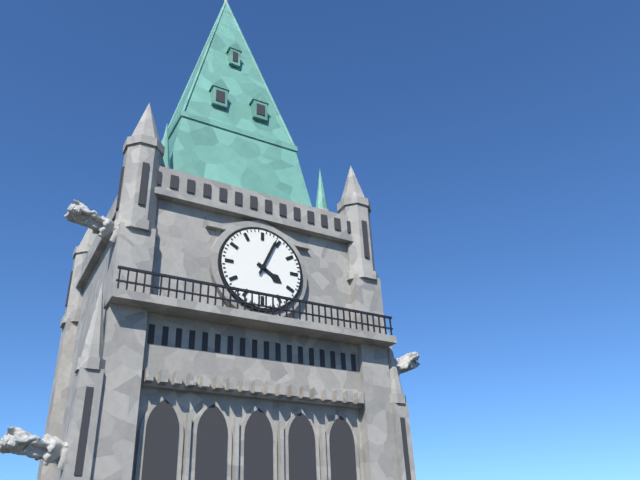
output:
4 h 04 min
